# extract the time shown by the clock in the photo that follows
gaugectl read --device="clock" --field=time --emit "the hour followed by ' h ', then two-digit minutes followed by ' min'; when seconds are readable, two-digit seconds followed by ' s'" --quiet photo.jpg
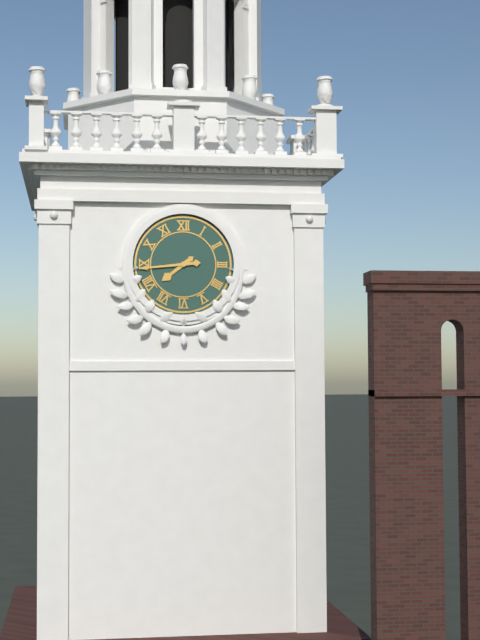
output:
7 h 44 min
